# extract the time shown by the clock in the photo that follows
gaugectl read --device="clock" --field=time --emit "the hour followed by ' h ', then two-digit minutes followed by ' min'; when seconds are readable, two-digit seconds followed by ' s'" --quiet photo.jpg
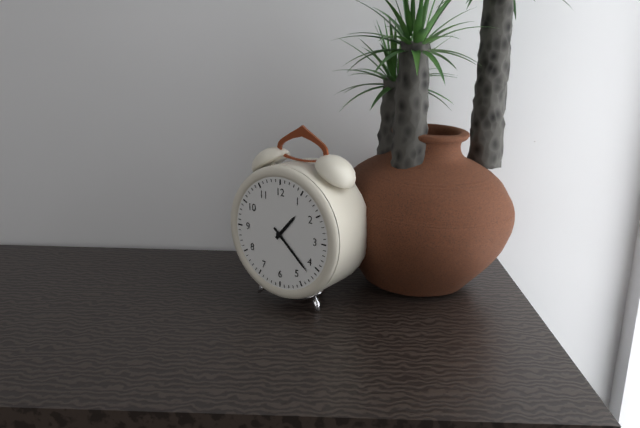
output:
1 h 22 min
